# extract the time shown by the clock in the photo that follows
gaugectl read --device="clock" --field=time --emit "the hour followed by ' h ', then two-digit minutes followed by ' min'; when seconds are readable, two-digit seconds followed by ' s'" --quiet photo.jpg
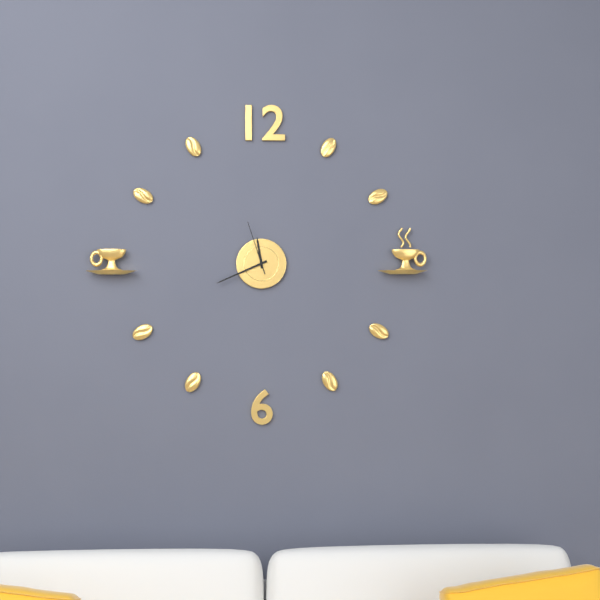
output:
11 h 41 min 57 s
